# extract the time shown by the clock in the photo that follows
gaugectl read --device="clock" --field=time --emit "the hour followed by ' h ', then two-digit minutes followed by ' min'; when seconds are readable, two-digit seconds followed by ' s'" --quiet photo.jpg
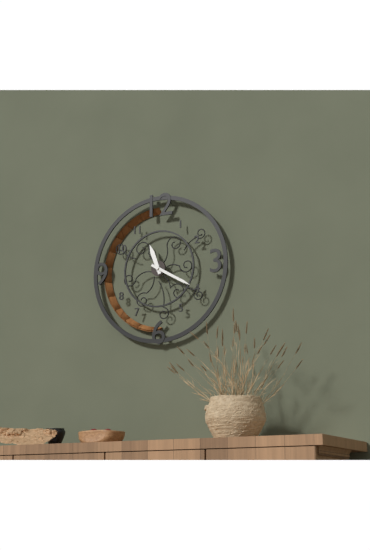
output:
11 h 20 min
